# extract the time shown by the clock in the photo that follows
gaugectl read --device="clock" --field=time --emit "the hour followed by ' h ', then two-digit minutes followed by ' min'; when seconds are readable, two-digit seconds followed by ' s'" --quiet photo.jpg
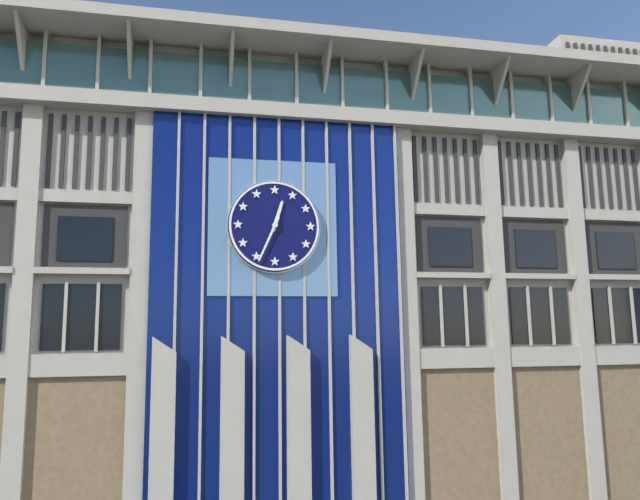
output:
12 h 34 min
